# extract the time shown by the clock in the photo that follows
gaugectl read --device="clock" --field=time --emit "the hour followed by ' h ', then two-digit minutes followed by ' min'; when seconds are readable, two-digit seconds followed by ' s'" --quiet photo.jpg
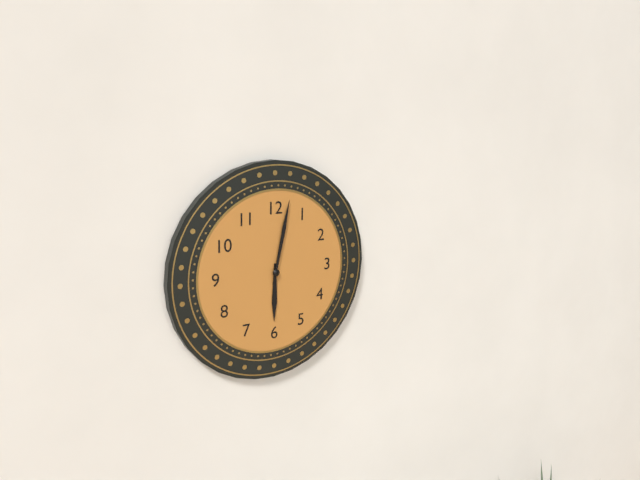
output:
6 h 02 min
